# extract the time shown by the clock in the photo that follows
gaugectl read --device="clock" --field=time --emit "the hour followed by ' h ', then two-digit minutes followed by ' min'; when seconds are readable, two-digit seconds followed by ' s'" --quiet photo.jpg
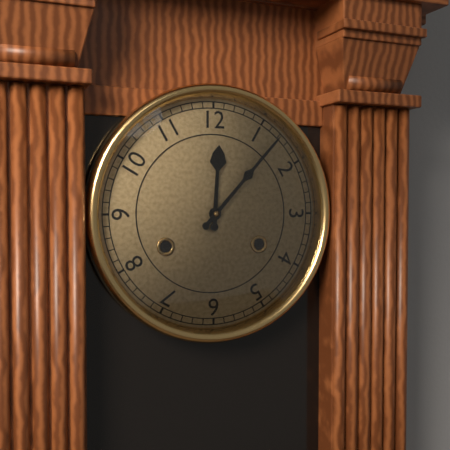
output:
12 h 07 min
